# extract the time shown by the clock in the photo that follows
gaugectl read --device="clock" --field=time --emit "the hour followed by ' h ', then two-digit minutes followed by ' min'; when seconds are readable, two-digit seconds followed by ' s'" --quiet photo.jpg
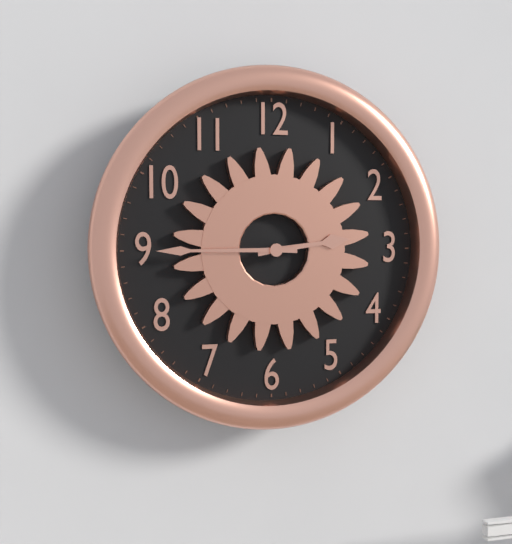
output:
2 h 45 min
